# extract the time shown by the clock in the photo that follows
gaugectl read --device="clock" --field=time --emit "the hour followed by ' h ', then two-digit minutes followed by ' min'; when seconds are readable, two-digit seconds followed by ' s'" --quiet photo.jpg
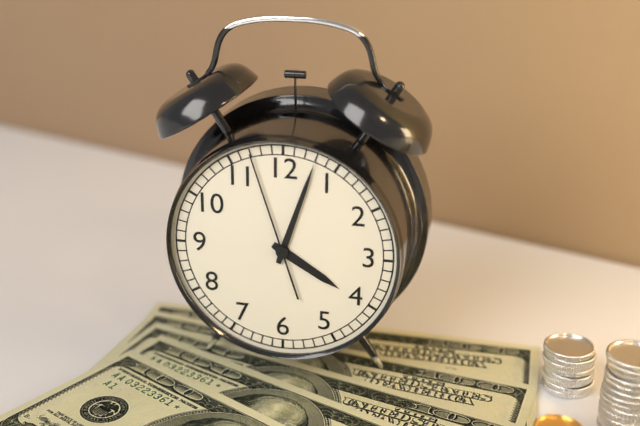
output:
4 h 03 min 57 s
